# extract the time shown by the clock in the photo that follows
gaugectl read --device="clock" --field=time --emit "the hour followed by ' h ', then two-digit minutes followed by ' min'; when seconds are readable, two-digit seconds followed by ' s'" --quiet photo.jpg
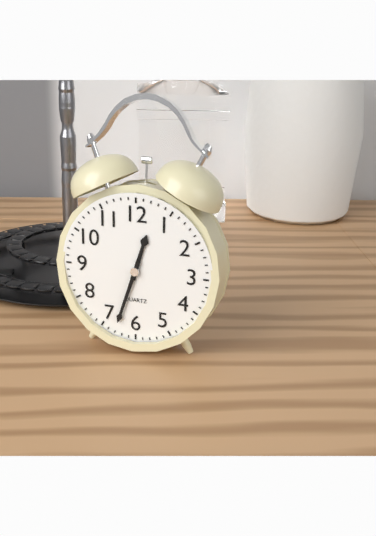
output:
12 h 33 min
